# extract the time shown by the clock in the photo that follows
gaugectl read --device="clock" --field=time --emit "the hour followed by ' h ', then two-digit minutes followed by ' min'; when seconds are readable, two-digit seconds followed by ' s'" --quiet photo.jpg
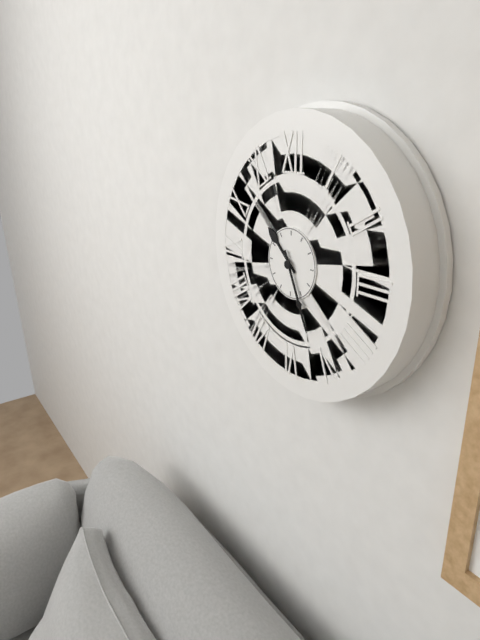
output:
10 h 26 min
